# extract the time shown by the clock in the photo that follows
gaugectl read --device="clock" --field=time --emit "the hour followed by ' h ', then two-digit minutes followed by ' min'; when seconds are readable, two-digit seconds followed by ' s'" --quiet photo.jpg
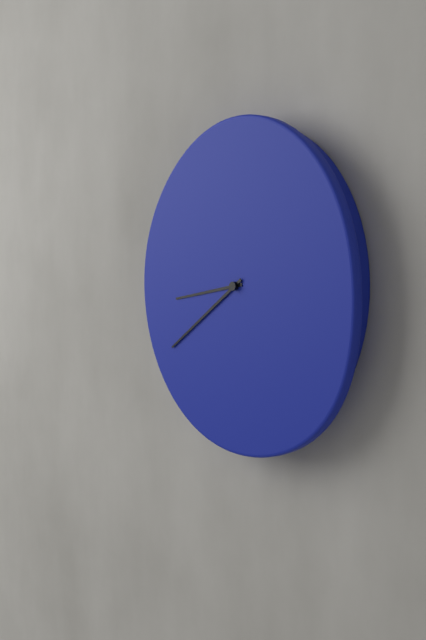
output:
8 h 39 min
